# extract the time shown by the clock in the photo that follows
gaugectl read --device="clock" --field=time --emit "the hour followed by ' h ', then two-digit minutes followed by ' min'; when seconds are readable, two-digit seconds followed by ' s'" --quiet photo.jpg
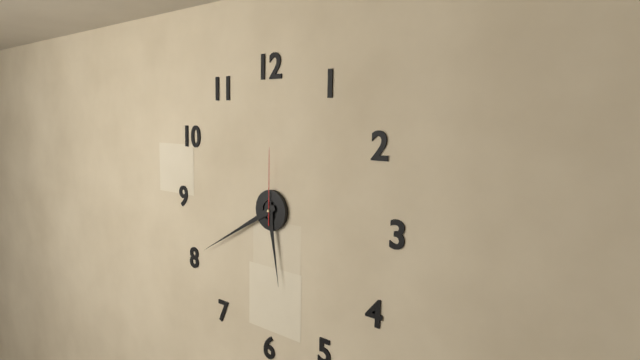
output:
5 h 40 min 00 s
